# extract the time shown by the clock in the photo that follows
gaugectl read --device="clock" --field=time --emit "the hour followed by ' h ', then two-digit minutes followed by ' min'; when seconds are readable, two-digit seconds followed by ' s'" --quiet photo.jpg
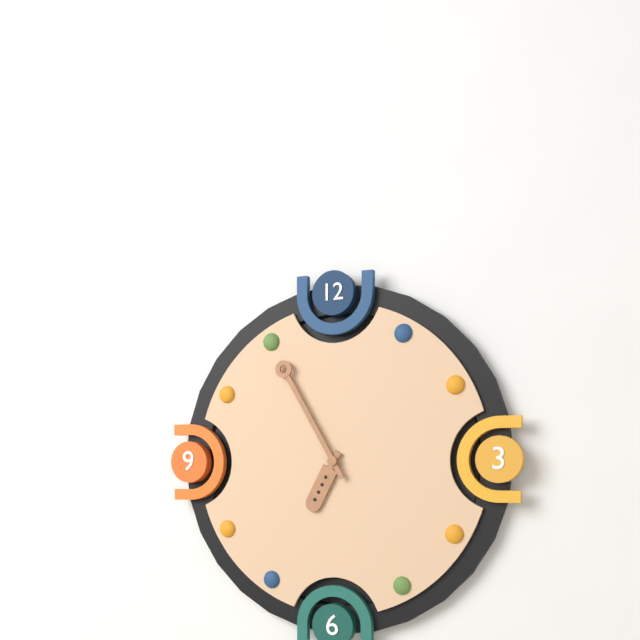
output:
6 h 55 min
